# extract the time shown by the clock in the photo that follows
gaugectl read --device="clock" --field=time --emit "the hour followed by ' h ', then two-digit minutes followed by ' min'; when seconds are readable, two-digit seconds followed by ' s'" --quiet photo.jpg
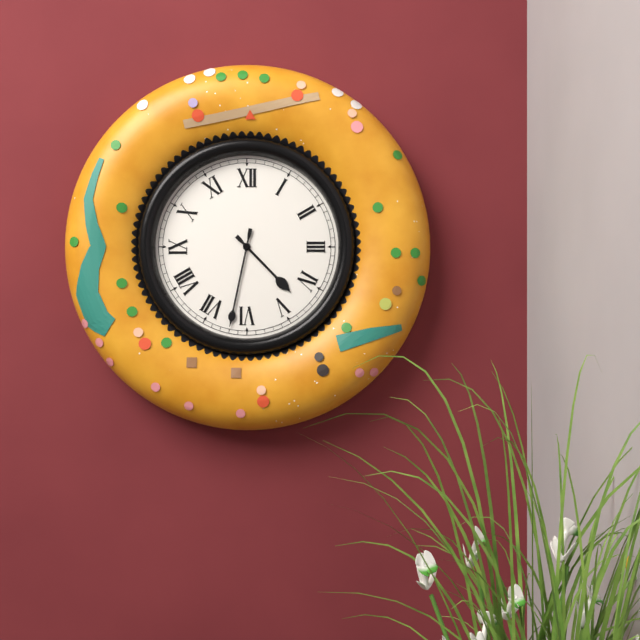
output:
4 h 32 min
